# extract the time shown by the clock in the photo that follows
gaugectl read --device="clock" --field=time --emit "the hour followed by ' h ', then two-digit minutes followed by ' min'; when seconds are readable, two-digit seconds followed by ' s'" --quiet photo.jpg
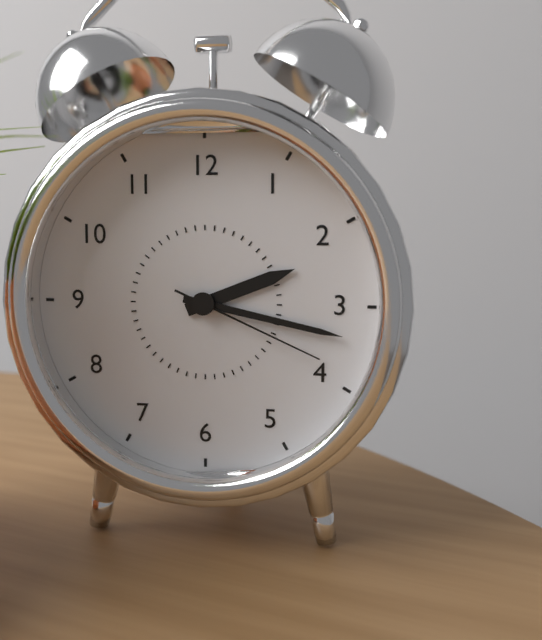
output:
2 h 17 min 19 s
